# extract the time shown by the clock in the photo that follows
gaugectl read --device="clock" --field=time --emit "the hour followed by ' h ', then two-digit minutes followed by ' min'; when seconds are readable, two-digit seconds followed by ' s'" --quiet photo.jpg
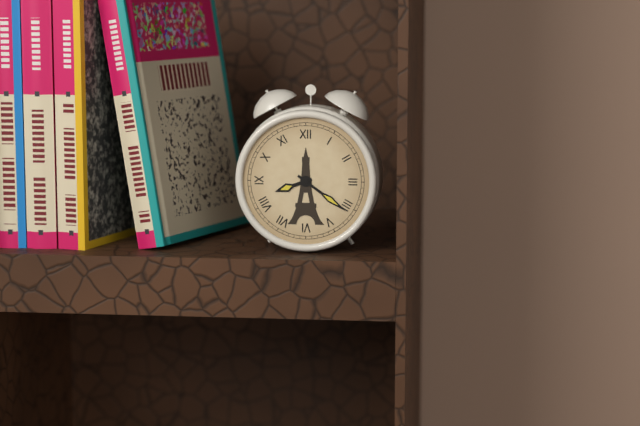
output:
8 h 21 min
